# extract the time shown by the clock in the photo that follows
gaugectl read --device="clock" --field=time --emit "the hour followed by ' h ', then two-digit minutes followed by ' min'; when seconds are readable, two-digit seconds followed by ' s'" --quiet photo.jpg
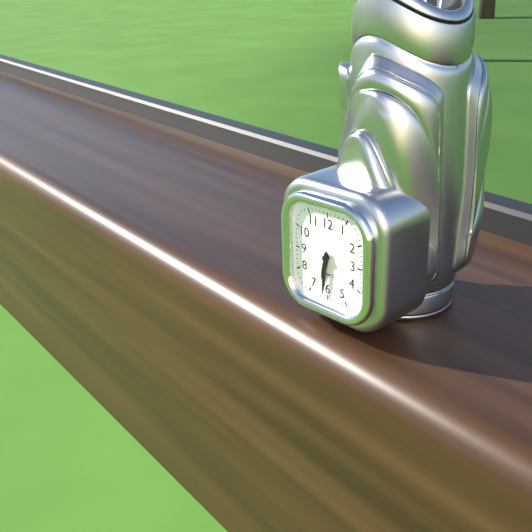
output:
6 h 31 min
